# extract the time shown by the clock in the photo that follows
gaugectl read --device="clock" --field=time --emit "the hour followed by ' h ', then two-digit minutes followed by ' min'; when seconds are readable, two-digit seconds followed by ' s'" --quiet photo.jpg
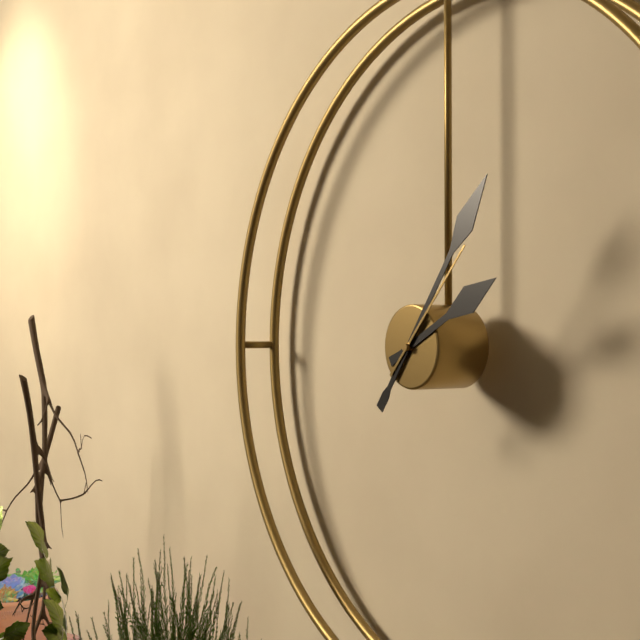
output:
2 h 06 min 07 s
